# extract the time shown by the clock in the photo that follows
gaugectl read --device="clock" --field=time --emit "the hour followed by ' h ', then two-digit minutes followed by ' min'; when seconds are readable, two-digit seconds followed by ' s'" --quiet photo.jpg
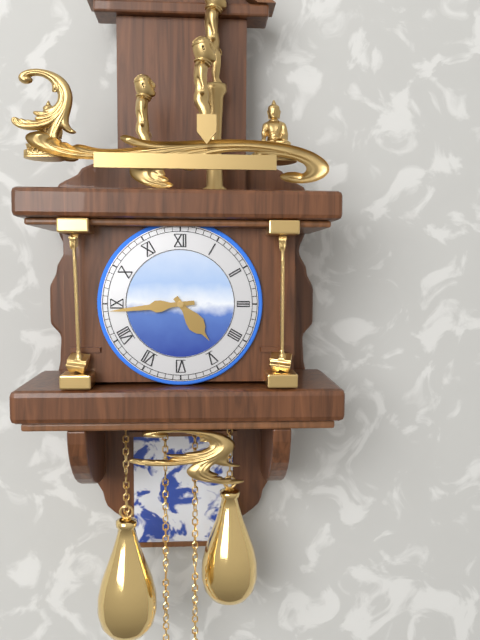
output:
4 h 44 min
